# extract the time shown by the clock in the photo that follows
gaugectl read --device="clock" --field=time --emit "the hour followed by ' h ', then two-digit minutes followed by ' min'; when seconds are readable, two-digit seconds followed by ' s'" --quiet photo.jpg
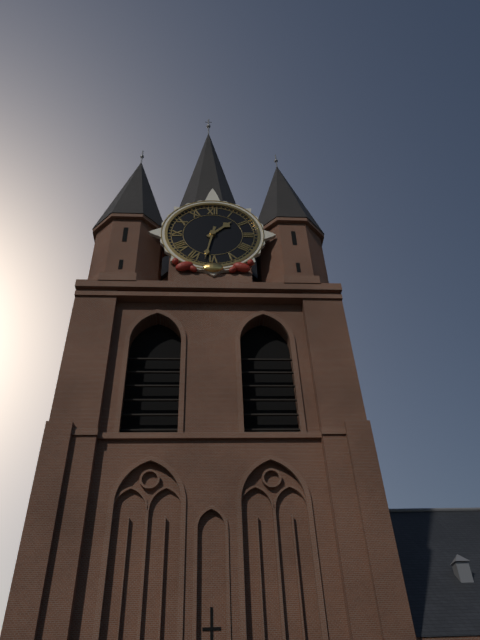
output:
1 h 32 min
